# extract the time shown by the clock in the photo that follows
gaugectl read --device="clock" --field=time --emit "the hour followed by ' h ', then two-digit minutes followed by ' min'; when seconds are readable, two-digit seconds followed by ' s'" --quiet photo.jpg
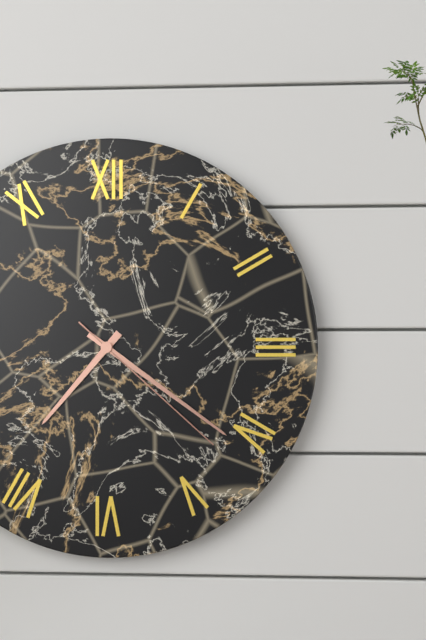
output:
7 h 21 min 22 s
